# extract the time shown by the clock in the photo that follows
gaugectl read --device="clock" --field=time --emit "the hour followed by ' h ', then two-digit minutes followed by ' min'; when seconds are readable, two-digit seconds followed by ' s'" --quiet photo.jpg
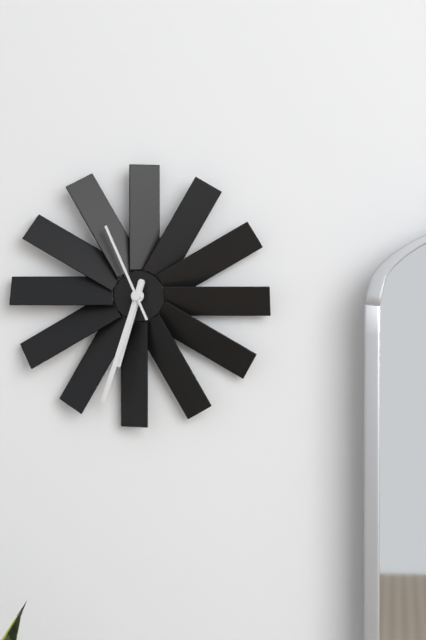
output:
6 h 33 min 56 s
